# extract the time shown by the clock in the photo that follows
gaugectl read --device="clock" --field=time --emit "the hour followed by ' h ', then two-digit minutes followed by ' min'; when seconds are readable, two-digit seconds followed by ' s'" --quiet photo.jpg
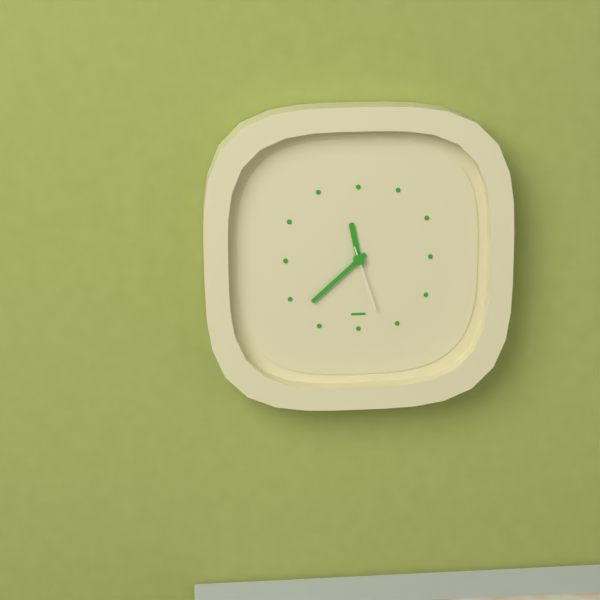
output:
11 h 38 min 27 s
